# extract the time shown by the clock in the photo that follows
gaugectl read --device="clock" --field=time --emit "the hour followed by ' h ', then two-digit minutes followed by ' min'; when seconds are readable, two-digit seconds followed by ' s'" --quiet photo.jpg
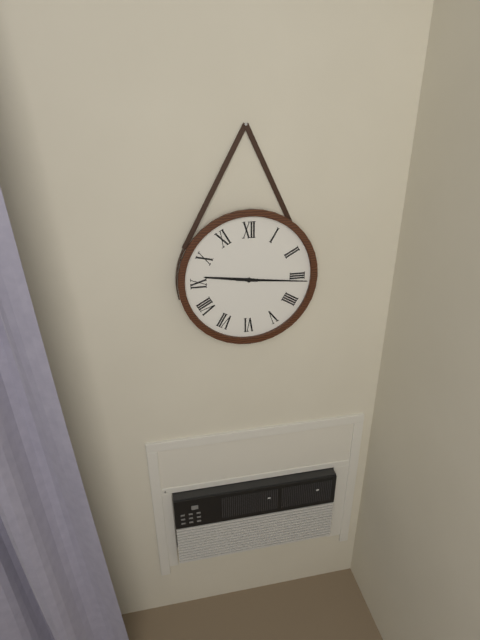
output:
9 h 16 min
